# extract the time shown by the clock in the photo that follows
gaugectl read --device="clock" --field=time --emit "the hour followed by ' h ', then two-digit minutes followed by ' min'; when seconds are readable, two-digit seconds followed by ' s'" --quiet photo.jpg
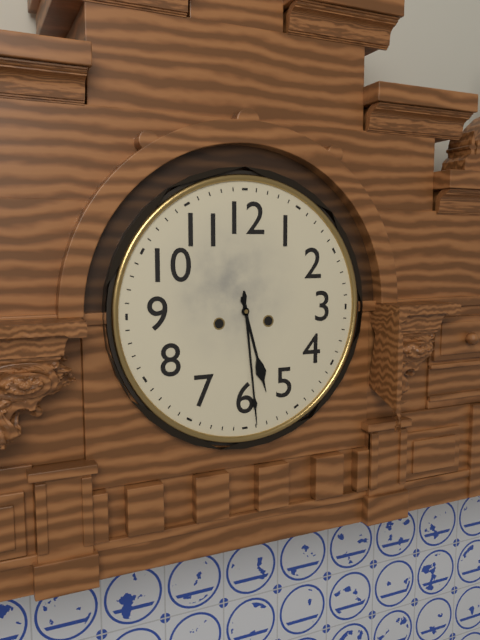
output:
5 h 29 min
